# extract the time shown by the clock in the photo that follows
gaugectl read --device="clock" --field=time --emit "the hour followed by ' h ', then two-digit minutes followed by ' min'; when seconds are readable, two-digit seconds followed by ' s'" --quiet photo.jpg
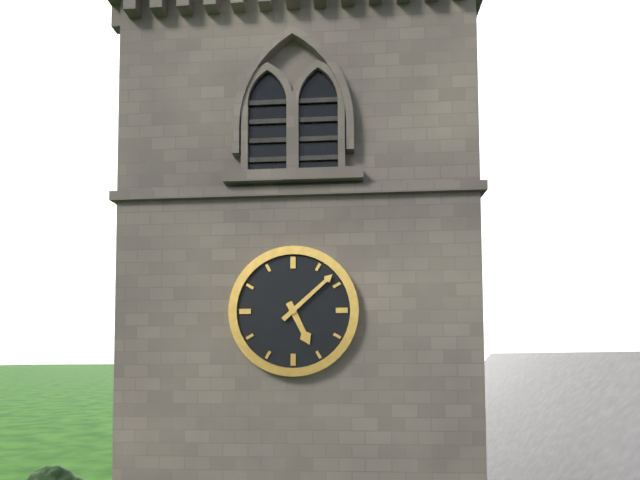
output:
5 h 08 min
